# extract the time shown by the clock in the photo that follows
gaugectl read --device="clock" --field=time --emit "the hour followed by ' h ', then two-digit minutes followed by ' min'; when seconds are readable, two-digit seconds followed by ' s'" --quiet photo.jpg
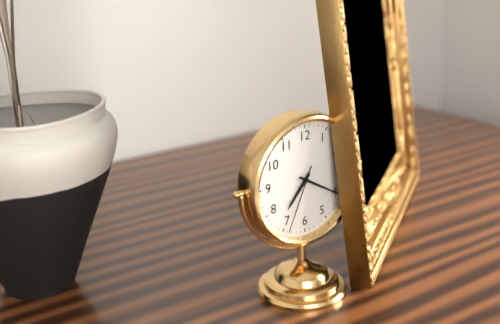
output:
7 h 20 min 34 s
